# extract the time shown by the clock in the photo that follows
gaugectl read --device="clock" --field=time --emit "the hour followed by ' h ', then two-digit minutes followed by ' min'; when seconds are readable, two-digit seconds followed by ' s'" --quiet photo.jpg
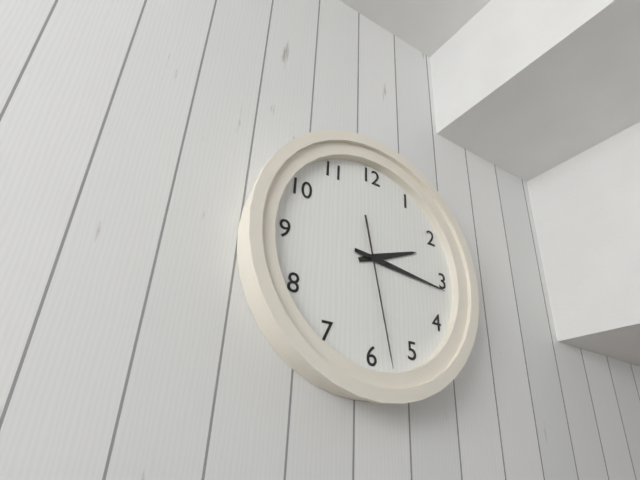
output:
2 h 16 min 28 s
